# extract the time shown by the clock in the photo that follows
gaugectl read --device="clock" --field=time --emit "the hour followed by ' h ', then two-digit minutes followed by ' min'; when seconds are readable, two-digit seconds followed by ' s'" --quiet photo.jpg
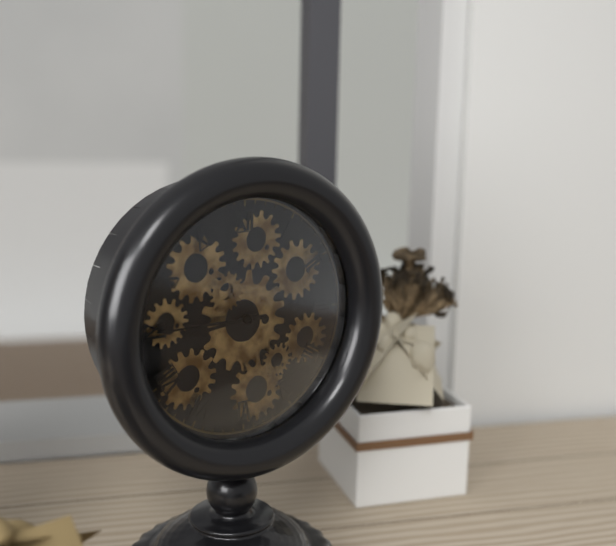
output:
8 h 45 min
